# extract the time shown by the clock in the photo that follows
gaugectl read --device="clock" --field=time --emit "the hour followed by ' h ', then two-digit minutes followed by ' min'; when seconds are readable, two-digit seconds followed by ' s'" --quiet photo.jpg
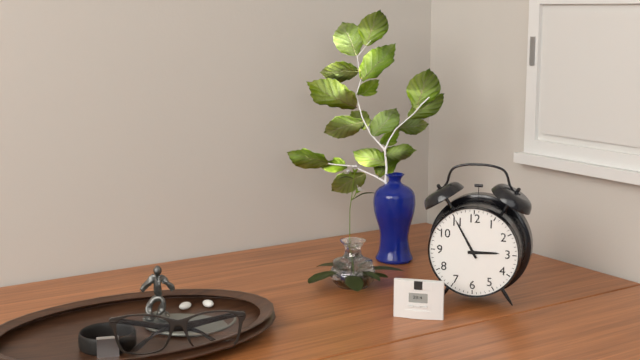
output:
2 h 55 min
